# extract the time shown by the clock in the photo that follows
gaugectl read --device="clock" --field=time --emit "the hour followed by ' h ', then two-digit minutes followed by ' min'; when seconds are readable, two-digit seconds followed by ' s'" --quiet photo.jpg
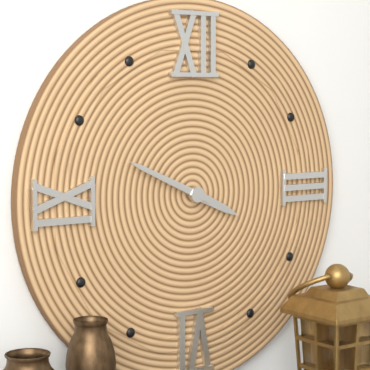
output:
3 h 49 min
